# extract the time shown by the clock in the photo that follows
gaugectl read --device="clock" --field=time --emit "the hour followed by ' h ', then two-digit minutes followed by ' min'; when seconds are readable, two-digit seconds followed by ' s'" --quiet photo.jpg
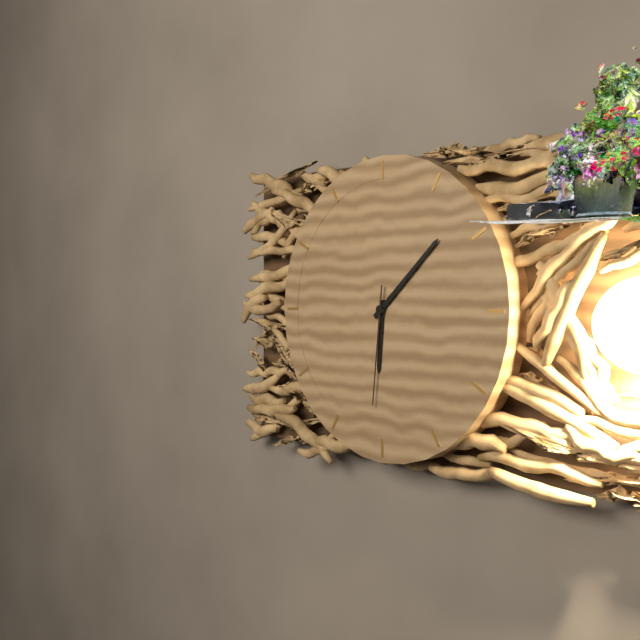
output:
6 h 08 min 31 s
